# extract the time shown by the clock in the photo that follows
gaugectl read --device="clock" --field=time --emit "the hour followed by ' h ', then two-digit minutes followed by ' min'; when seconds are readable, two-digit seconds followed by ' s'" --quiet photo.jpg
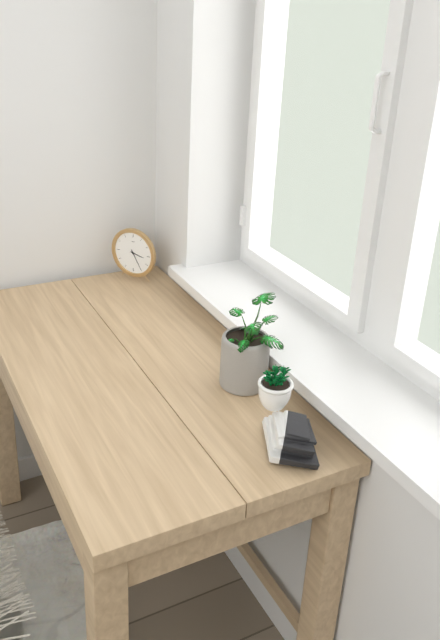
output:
3 h 25 min
